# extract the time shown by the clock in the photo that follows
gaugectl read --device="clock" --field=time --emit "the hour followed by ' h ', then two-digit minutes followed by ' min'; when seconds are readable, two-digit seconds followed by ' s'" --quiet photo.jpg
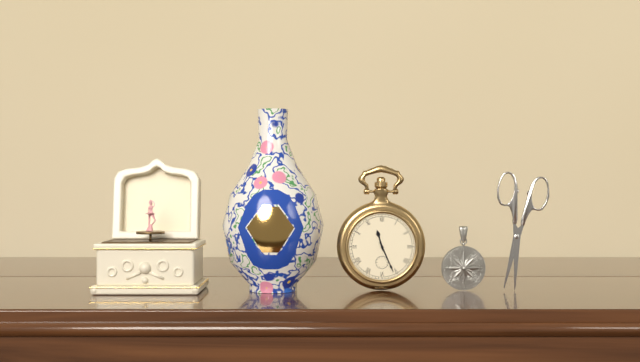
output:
11 h 26 min
